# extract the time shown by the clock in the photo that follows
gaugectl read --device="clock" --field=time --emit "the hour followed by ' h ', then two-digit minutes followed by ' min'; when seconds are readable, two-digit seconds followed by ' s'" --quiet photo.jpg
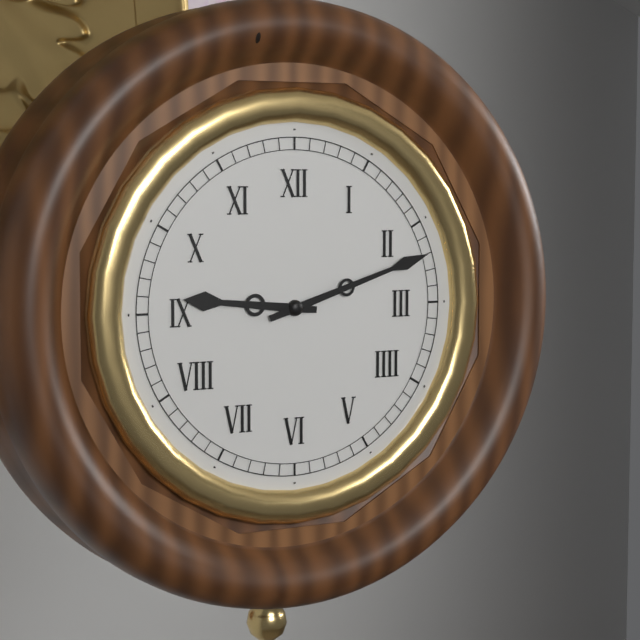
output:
9 h 12 min
